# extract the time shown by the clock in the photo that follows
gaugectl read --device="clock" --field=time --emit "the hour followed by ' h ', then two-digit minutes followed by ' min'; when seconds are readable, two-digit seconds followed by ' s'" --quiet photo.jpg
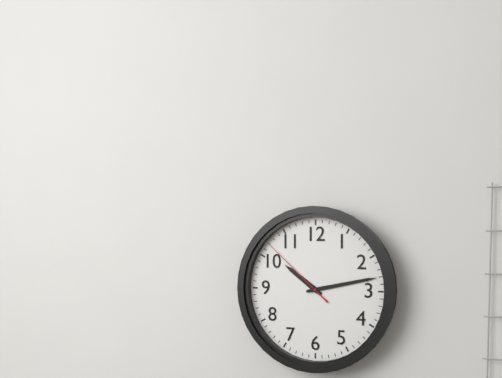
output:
10 h 13 min 52 s
